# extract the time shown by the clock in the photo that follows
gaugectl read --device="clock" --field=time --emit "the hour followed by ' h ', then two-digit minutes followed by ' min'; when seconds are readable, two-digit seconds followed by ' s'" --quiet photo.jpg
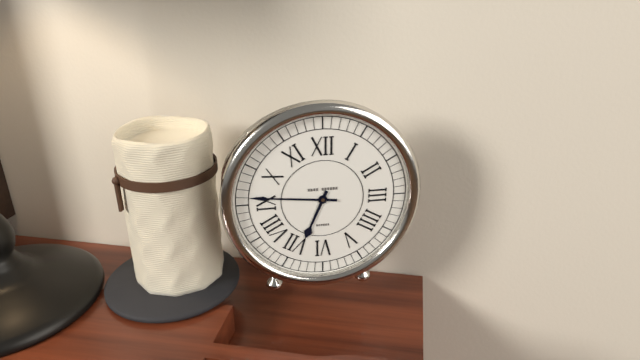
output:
6 h 46 min
